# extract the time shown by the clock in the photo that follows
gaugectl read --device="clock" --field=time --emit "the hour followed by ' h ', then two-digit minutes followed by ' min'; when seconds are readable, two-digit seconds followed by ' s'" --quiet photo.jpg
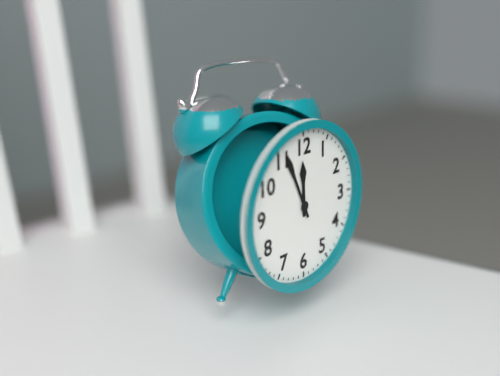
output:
11 h 56 min
